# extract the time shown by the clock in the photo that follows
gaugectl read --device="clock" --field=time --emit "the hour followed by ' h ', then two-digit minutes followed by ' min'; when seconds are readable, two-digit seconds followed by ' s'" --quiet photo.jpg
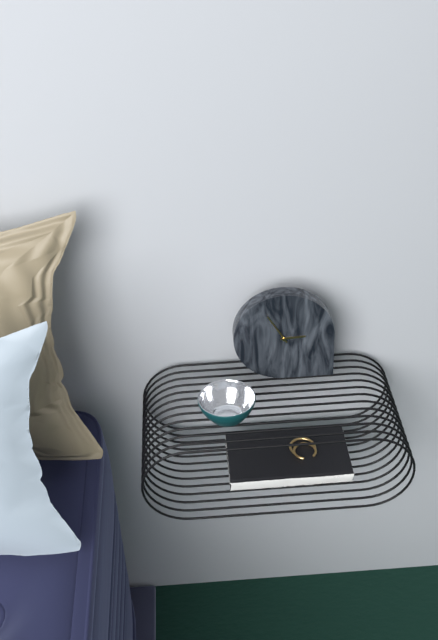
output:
2 h 55 min
